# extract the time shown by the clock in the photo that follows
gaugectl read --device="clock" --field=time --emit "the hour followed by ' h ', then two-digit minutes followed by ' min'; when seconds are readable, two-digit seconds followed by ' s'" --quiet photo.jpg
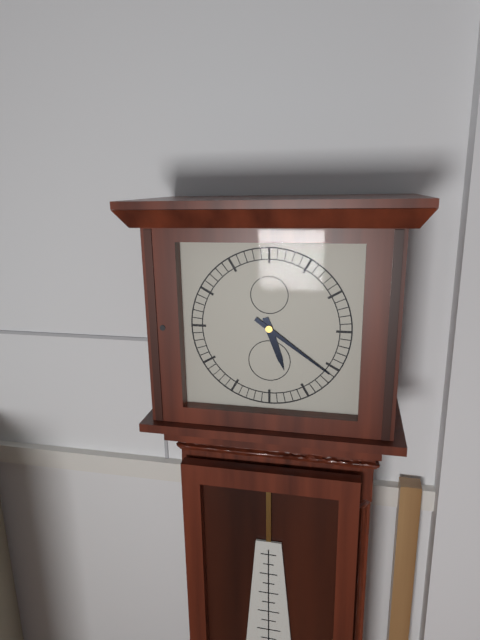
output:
5 h 21 min
